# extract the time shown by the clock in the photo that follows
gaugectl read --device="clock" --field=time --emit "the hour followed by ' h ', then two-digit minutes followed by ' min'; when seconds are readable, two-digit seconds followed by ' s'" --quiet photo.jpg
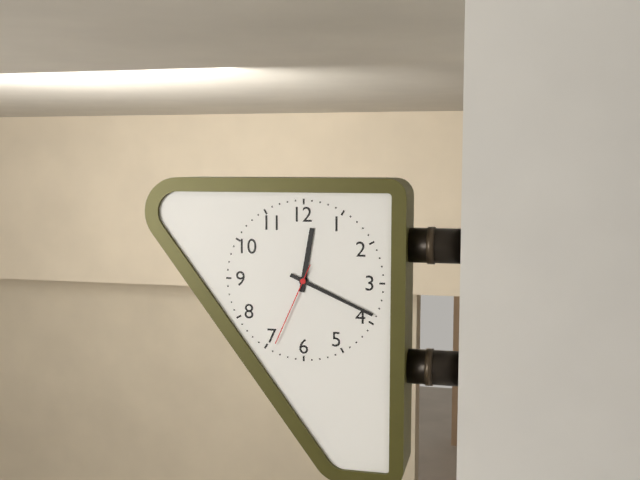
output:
12 h 19 min 34 s
